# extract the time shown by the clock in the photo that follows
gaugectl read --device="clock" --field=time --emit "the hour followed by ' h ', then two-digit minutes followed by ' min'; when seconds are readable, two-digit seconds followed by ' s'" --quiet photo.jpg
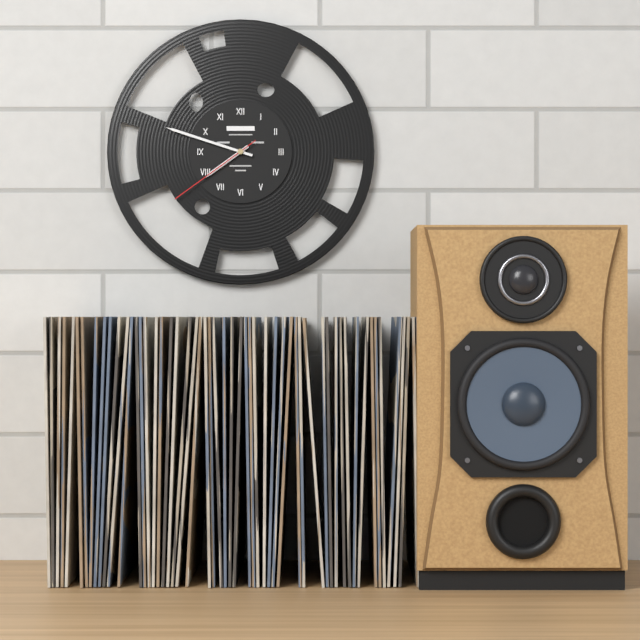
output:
7 h 48 min 39 s
